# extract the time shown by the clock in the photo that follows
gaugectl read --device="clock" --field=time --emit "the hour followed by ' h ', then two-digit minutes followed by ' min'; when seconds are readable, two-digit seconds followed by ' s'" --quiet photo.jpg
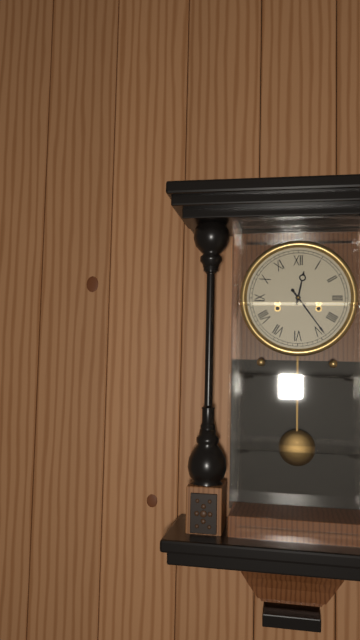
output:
12 h 24 min
